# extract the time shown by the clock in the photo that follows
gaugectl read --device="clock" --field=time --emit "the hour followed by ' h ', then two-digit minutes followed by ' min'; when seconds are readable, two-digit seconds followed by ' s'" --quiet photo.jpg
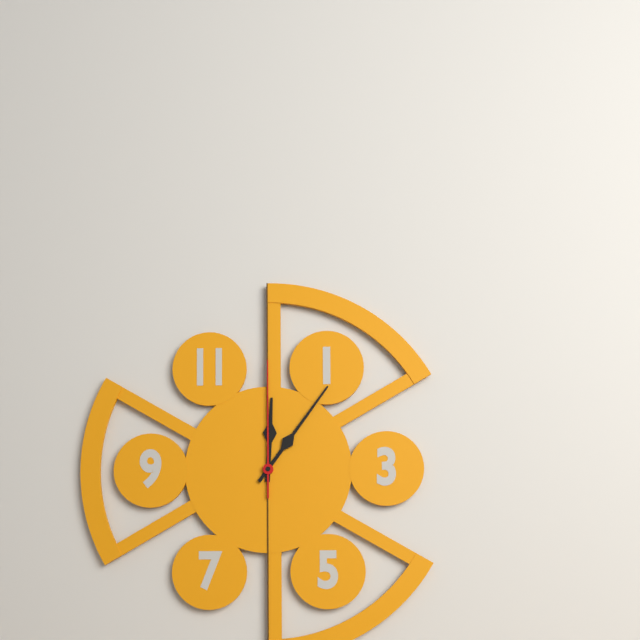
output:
12 h 06 min 00 s
